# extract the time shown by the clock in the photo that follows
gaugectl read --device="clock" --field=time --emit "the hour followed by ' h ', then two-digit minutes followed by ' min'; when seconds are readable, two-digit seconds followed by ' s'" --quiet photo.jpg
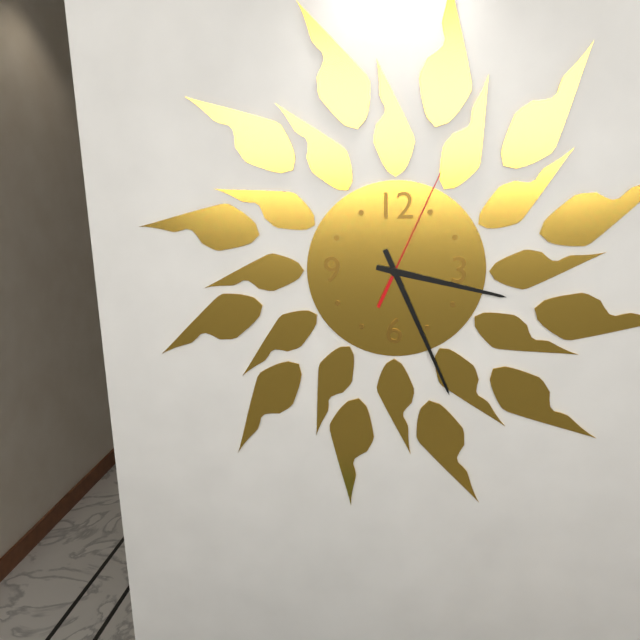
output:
3 h 26 min 04 s
